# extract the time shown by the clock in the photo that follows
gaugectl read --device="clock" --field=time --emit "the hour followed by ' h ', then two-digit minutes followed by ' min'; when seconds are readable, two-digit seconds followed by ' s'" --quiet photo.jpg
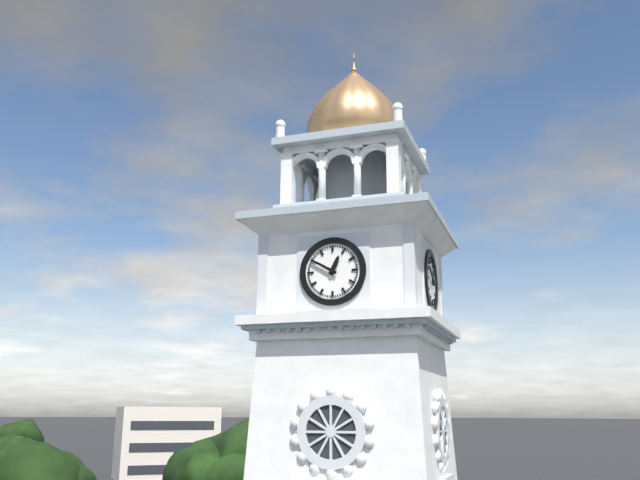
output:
12 h 50 min
